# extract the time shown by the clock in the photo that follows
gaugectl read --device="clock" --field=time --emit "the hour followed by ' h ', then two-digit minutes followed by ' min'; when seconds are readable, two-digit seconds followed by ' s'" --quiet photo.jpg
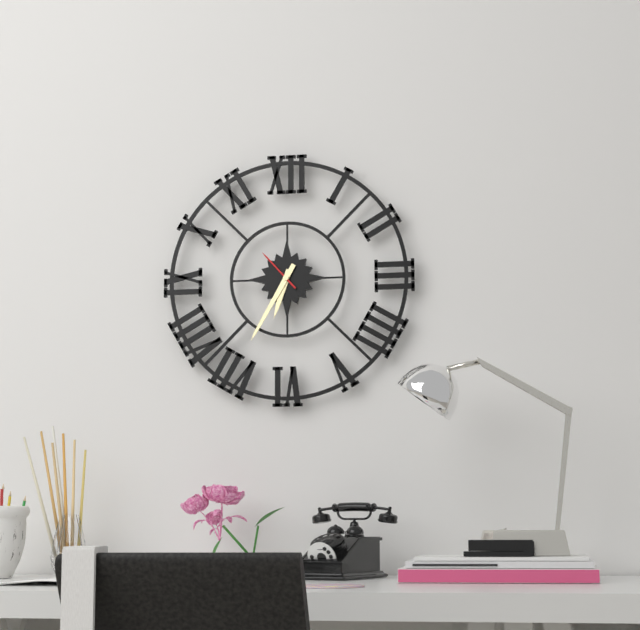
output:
6 h 35 min
